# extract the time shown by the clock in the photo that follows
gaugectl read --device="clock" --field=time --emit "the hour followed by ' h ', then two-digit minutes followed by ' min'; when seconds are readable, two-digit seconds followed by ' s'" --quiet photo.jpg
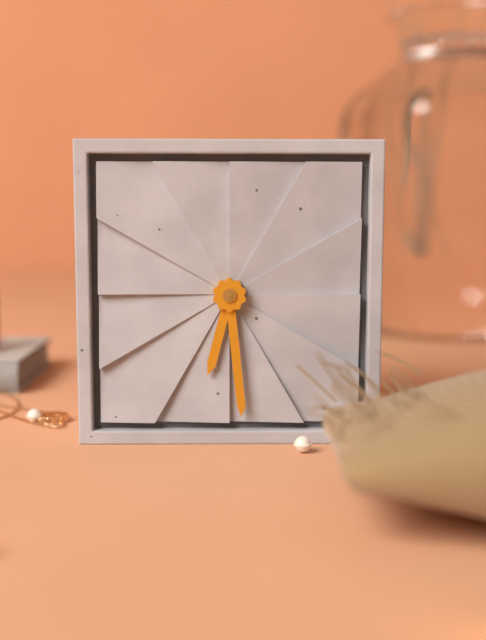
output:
6 h 29 min
